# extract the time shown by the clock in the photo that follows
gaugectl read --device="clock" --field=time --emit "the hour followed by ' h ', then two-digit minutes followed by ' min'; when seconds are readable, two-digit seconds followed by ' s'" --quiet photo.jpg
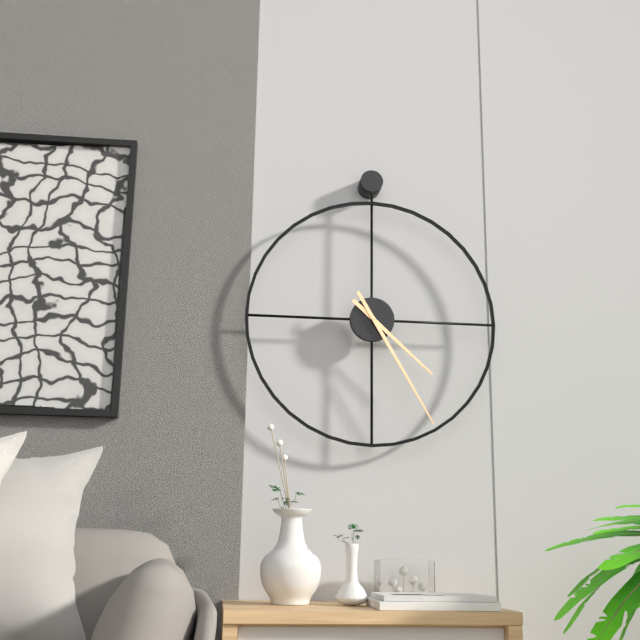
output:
4 h 25 min
